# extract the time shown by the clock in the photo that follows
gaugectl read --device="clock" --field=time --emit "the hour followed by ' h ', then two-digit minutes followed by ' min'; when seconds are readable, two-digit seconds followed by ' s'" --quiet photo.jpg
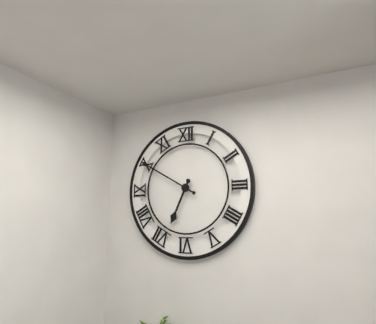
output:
6 h 50 min
